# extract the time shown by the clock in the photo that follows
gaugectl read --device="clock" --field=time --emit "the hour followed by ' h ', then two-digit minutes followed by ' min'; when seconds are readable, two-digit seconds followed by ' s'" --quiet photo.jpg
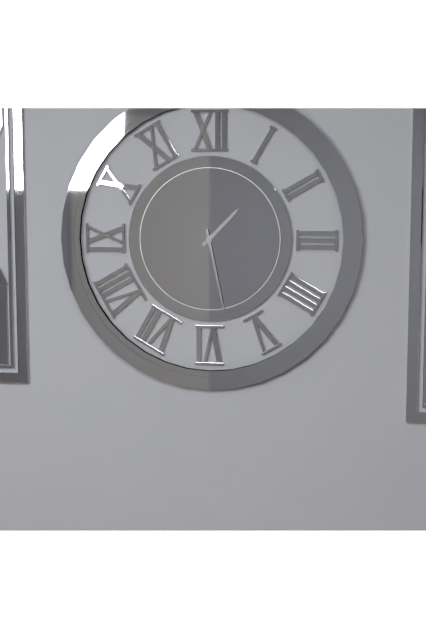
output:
1 h 28 min
